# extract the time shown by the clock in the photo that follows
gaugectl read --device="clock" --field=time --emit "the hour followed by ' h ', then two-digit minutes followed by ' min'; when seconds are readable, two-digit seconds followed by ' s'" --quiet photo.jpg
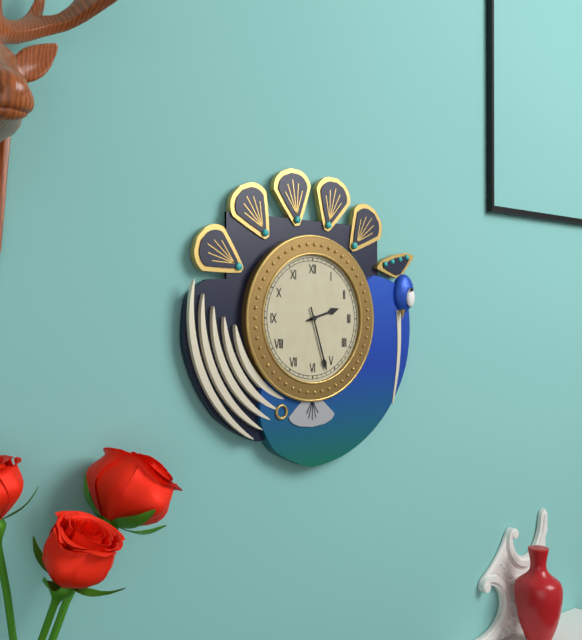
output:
2 h 27 min
